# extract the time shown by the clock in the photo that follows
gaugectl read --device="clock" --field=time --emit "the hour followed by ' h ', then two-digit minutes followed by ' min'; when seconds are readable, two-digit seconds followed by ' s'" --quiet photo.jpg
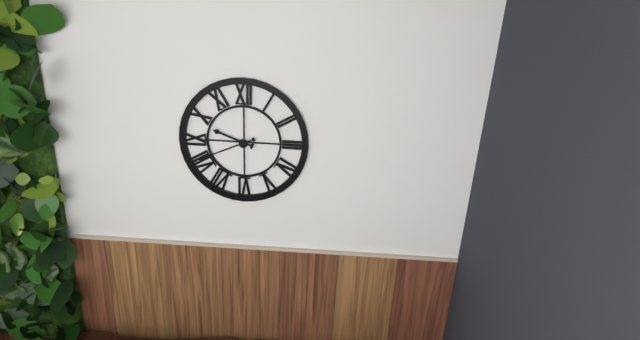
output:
9 h 41 min
